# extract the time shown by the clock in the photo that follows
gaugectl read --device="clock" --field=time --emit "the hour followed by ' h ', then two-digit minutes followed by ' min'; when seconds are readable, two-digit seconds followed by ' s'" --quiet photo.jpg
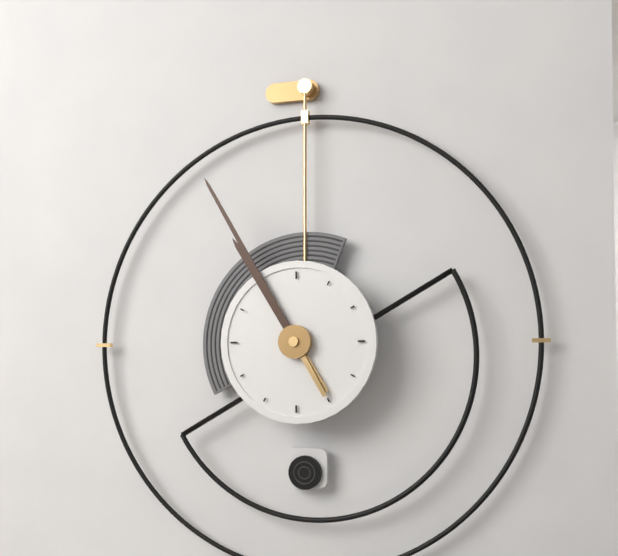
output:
10 h 55 min
